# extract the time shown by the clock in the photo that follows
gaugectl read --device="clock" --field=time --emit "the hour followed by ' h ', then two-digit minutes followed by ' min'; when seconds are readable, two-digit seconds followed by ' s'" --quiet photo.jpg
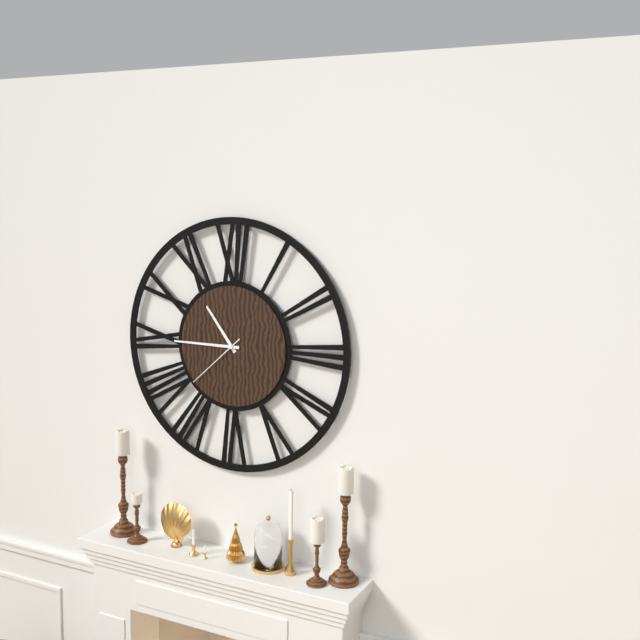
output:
10 h 45 min 38 s
